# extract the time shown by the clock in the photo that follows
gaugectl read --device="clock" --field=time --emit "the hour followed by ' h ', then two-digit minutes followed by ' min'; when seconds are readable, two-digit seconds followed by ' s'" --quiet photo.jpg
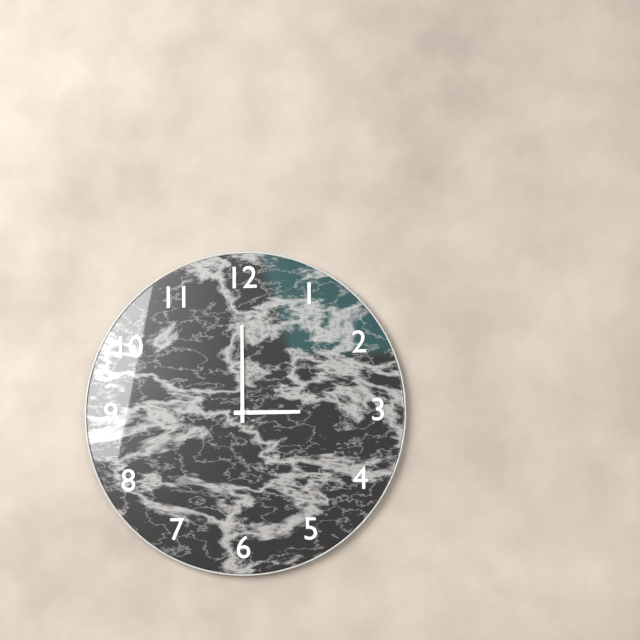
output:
3 h 00 min
